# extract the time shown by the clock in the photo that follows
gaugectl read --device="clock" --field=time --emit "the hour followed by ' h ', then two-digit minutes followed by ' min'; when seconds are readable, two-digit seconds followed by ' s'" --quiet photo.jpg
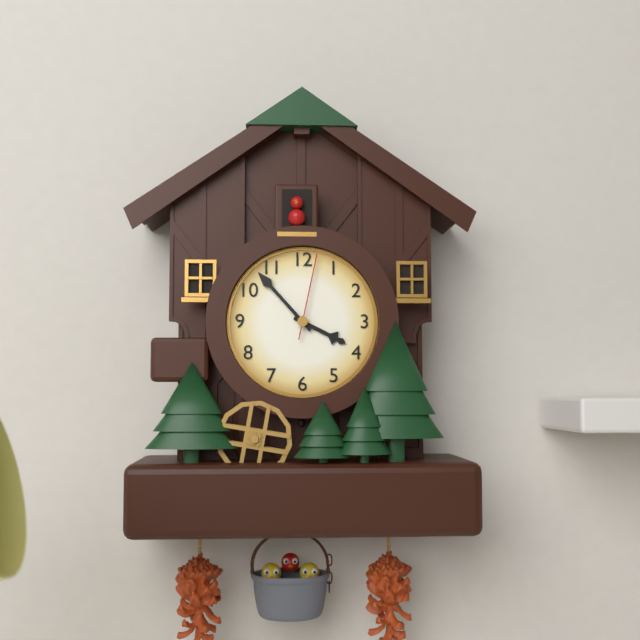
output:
3 h 53 min 02 s
